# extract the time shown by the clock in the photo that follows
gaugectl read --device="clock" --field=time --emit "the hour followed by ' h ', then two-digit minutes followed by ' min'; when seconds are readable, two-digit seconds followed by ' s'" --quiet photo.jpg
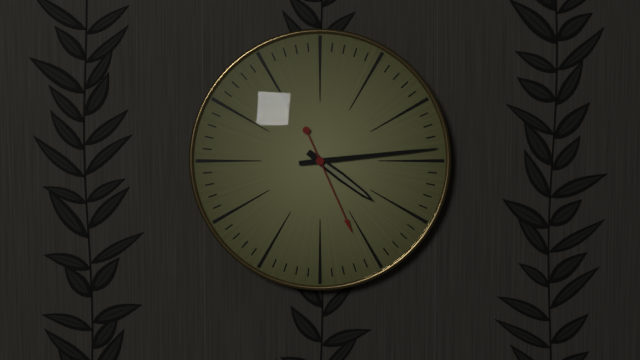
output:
4 h 14 min 26 s
